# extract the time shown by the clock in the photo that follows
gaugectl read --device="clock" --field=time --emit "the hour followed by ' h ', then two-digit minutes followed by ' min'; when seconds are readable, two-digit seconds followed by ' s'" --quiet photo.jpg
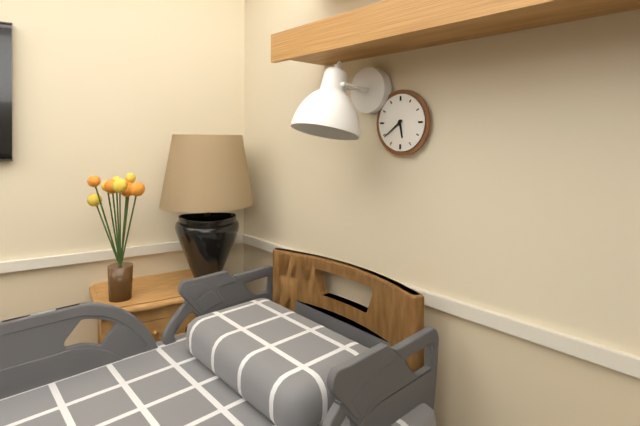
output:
5 h 39 min
